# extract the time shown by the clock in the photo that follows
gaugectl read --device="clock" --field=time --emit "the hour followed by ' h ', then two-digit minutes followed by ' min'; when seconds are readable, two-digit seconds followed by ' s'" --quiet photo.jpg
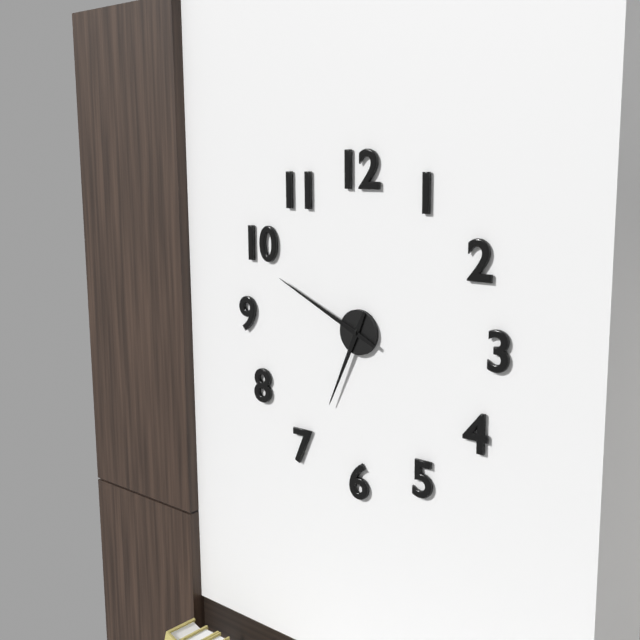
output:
6 h 49 min
